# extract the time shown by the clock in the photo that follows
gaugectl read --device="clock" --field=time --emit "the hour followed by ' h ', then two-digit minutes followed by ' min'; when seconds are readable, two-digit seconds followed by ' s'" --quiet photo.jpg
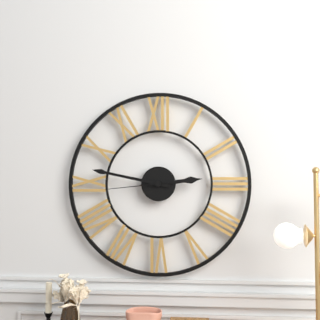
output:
2 h 47 min 44 s
